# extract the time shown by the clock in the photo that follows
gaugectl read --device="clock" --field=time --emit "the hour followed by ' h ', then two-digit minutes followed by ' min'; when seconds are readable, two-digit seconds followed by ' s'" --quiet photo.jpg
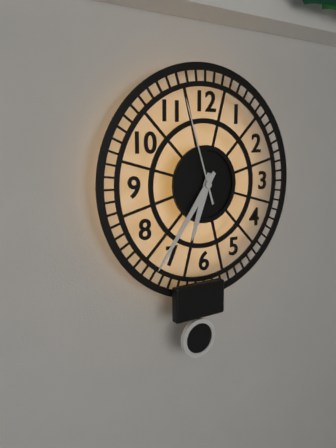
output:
6 h 36 min 57 s
